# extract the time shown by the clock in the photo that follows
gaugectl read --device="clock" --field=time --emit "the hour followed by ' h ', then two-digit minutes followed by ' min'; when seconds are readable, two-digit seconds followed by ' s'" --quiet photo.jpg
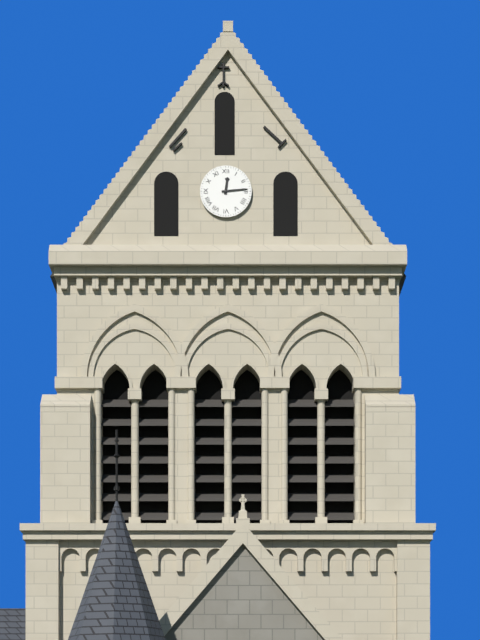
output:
12 h 14 min
